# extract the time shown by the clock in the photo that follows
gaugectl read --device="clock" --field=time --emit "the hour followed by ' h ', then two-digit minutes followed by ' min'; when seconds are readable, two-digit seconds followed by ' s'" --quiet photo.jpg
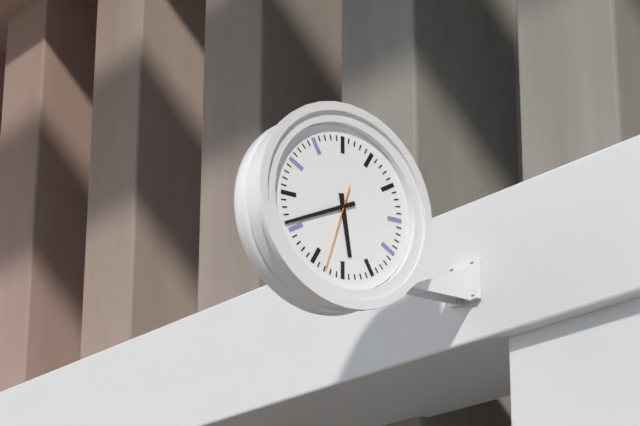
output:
5 h 41 min 33 s
